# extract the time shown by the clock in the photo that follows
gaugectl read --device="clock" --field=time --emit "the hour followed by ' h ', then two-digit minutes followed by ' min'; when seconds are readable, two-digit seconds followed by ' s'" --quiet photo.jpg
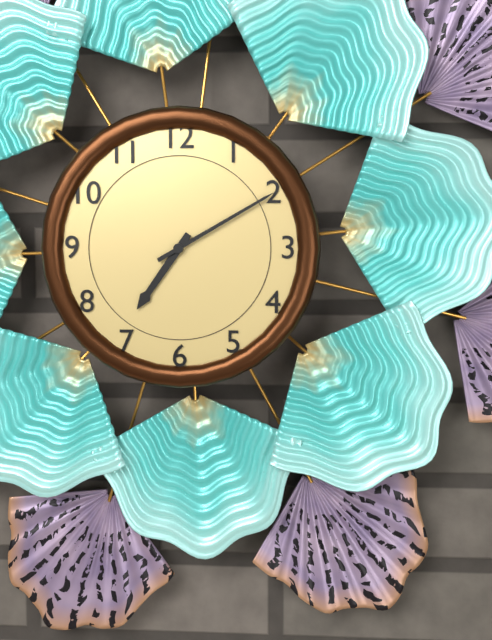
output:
7 h 10 min
